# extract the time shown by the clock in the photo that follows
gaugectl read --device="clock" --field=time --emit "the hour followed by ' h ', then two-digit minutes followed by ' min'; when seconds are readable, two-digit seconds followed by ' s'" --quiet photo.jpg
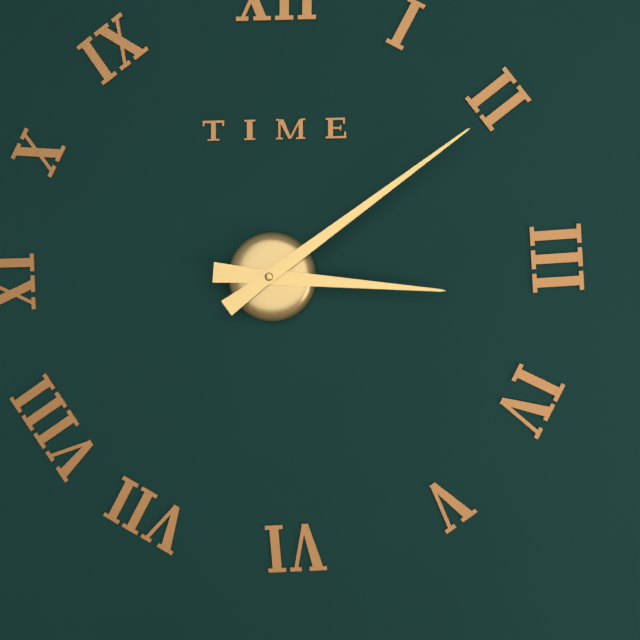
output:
3 h 09 min
